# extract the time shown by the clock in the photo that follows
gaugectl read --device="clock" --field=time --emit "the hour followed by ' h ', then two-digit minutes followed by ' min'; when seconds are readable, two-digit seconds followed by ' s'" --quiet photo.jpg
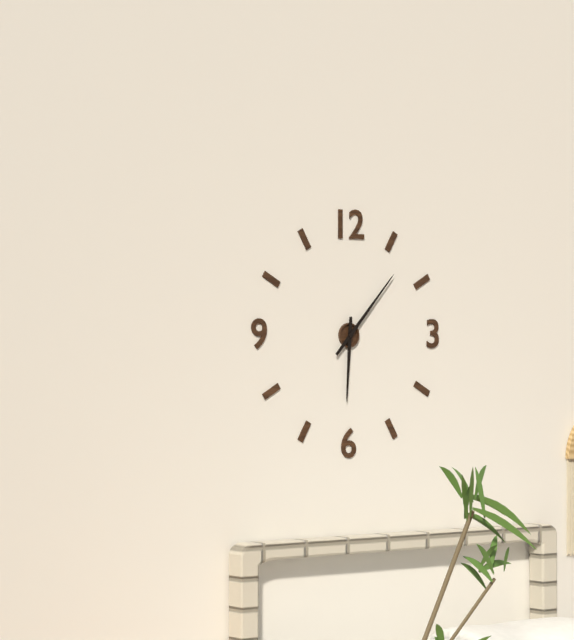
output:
6 h 07 min
